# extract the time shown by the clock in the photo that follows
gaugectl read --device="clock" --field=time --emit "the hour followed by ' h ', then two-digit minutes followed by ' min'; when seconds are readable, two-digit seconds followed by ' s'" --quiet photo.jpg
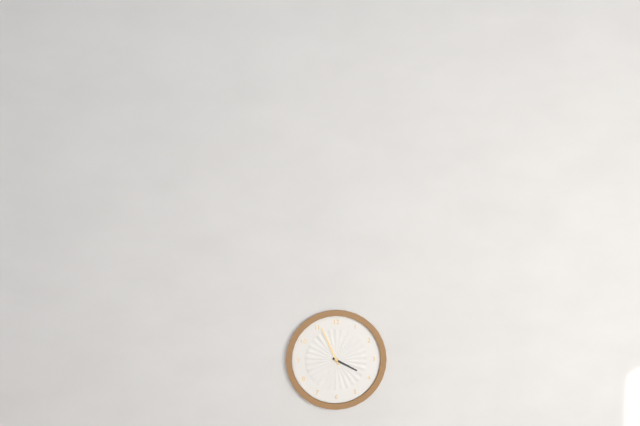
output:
3 h 56 min
